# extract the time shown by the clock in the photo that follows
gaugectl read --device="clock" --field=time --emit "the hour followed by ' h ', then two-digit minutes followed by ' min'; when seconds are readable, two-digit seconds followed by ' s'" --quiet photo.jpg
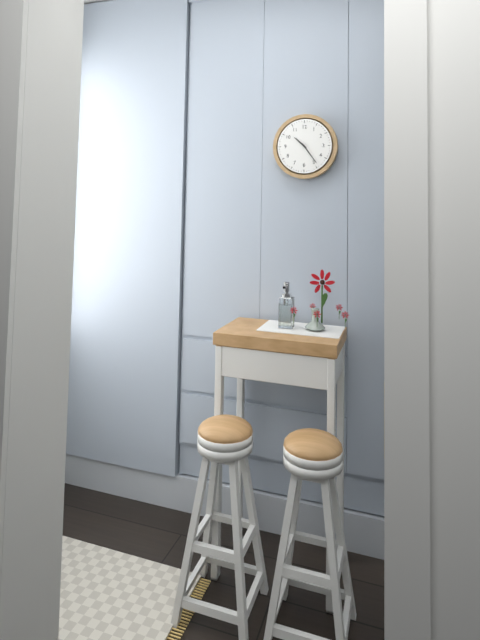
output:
10 h 24 min
